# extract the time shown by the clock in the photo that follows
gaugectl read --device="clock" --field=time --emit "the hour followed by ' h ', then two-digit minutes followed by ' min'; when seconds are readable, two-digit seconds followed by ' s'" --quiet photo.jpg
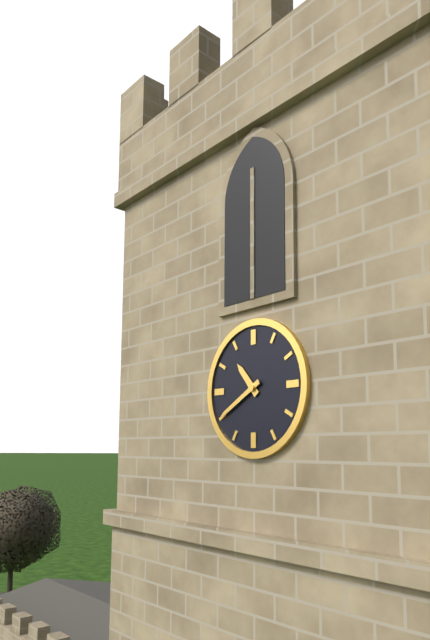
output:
10 h 40 min
